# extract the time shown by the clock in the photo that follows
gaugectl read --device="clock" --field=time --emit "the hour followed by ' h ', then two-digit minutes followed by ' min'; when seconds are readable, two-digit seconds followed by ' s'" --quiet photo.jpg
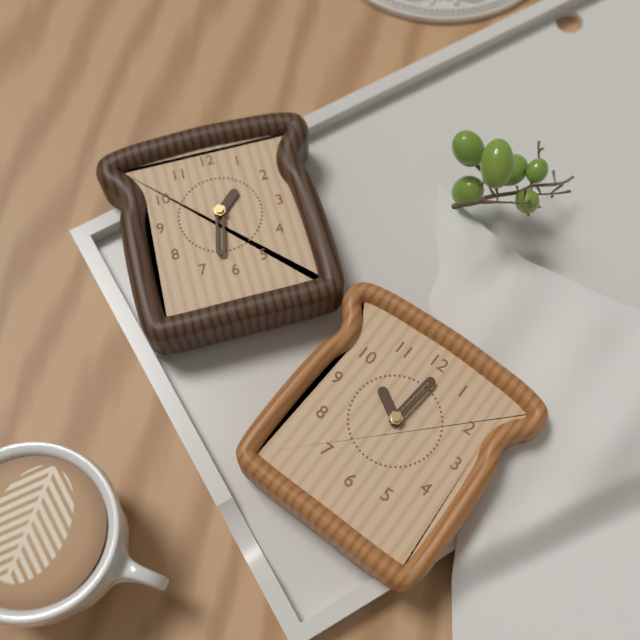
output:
10 h 01 min
